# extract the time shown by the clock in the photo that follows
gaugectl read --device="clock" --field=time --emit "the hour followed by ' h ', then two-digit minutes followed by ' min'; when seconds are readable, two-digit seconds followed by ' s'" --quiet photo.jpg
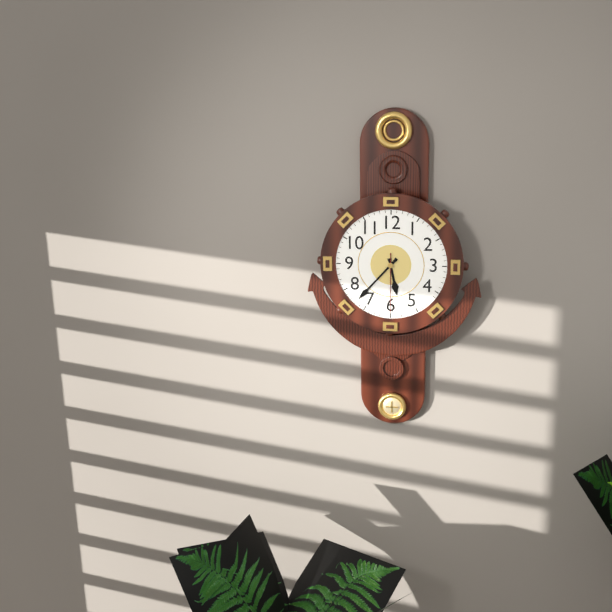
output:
5 h 37 min 30 s
